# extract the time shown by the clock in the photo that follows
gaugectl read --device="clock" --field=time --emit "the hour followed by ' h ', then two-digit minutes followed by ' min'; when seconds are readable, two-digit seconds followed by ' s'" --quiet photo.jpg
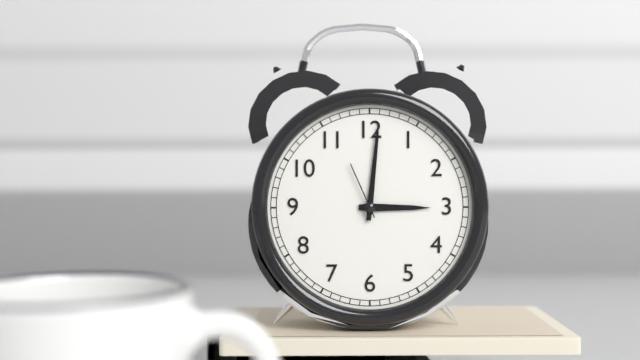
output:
3 h 01 min 56 s
